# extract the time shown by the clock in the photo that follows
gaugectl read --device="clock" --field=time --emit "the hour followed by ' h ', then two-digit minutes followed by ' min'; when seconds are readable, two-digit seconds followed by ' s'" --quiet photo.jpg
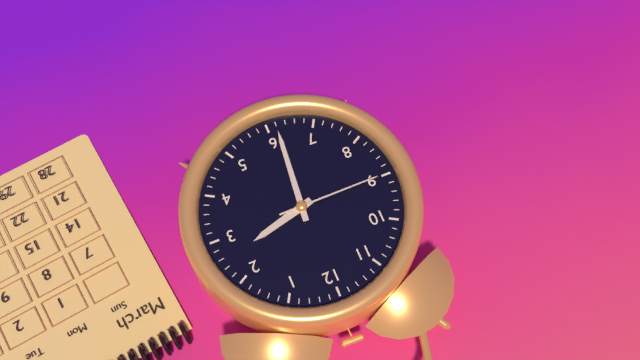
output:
2 h 31 min 45 s
